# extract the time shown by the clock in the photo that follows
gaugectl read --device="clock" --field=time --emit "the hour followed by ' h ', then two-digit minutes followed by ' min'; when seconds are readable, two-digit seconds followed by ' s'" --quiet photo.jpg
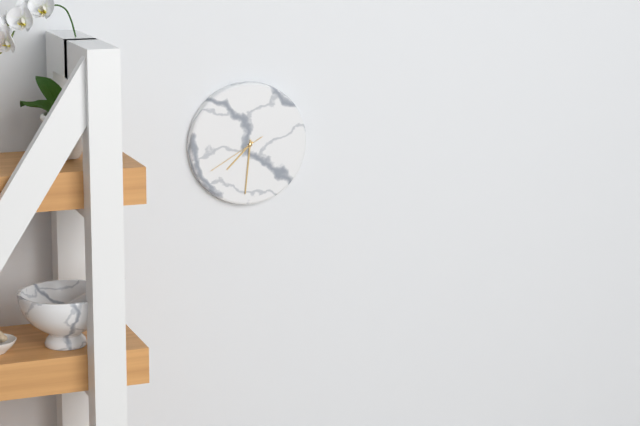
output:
7 h 31 min 40 s
